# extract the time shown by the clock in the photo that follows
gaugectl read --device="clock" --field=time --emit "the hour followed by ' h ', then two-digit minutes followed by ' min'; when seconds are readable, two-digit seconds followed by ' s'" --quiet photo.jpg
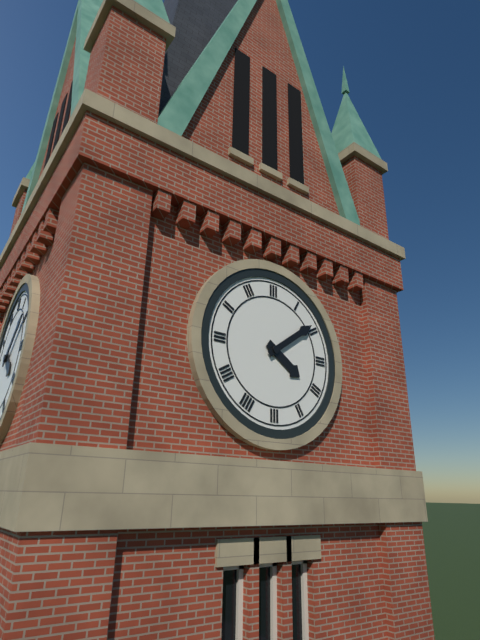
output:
4 h 09 min
